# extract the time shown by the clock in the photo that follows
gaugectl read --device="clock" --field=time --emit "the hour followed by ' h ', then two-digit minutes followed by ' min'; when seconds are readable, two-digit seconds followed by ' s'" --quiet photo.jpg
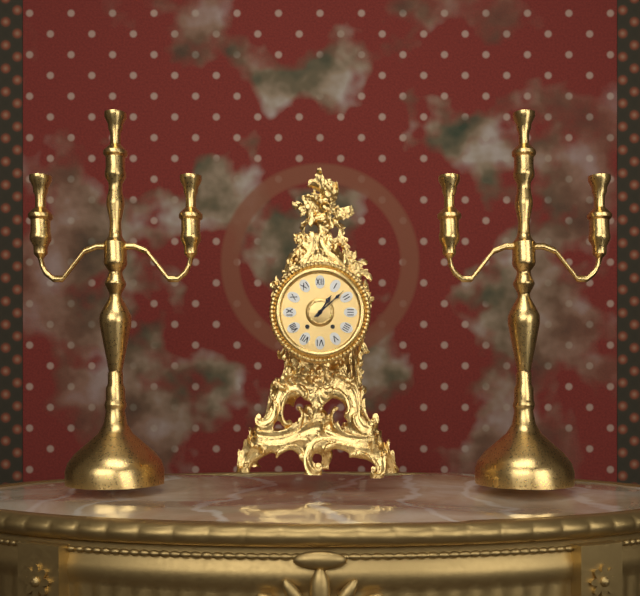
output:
1 h 08 min
